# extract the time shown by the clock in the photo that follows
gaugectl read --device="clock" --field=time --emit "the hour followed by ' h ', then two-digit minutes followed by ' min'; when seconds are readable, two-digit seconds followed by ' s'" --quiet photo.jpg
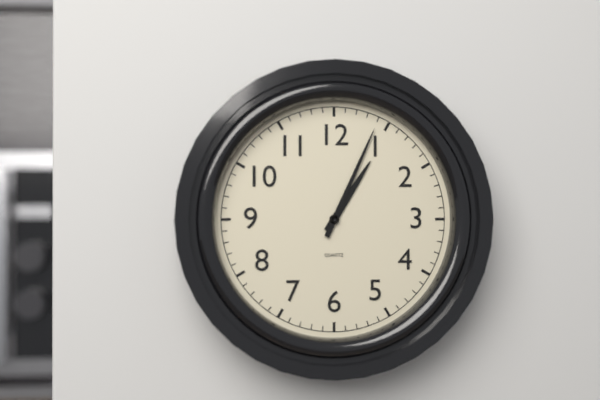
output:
1 h 04 min
